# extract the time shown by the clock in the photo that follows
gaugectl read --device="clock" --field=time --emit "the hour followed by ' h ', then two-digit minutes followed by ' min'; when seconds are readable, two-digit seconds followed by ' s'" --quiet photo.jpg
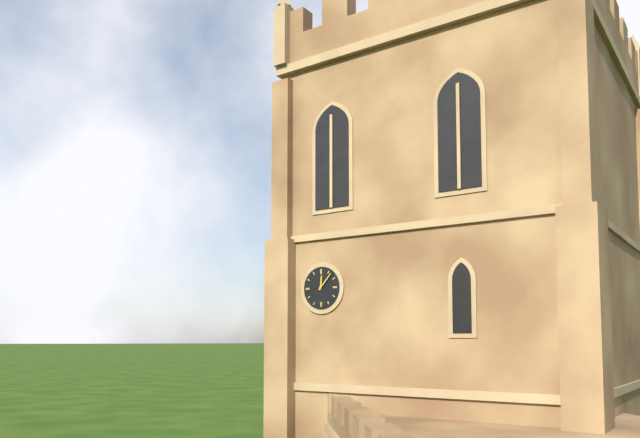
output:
12 h 07 min
